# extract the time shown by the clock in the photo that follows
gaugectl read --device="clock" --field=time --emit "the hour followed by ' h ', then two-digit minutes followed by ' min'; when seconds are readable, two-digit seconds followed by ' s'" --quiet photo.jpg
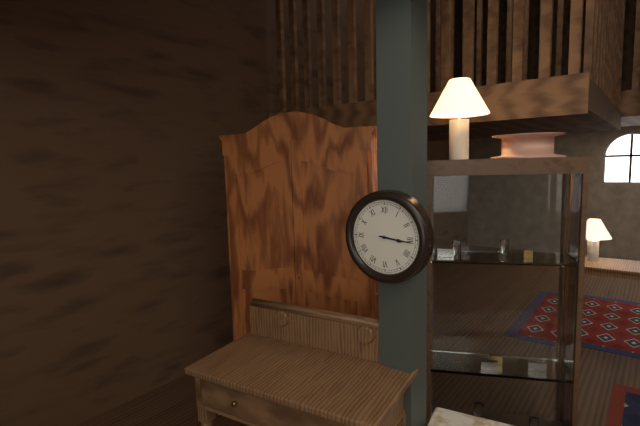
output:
3 h 16 min
